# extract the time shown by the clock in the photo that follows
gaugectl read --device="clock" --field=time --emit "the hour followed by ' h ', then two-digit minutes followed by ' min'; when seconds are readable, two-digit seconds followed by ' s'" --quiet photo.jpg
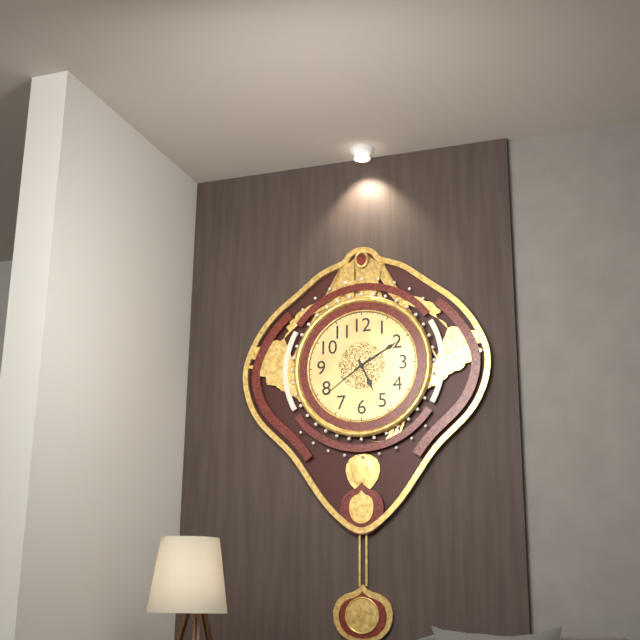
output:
5 h 10 min 39 s
